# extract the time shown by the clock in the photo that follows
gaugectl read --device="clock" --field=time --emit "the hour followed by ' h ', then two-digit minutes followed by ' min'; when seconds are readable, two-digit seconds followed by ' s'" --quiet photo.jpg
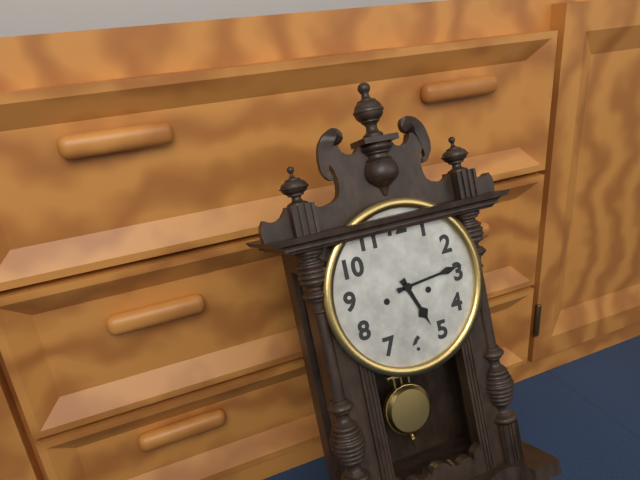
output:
5 h 14 min
